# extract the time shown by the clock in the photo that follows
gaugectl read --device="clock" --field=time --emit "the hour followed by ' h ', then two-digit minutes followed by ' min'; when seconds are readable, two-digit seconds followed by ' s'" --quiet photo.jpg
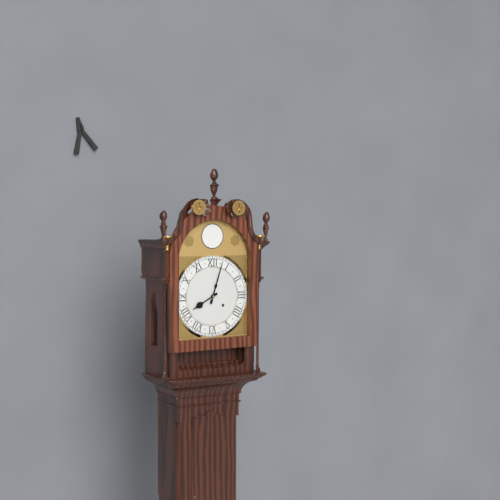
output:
8 h 03 min
